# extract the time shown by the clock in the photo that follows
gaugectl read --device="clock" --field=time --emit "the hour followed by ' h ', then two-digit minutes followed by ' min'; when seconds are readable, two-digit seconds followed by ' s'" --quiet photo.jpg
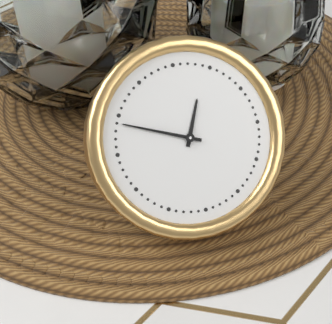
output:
12 h 49 min
